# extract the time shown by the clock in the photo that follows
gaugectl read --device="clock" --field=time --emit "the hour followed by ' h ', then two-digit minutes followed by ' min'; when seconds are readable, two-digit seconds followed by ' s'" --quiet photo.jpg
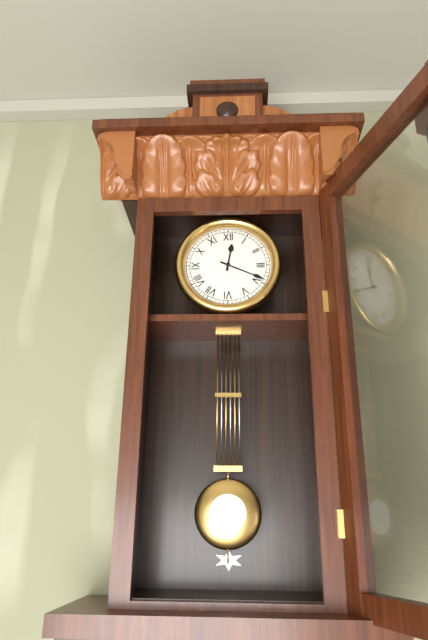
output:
12 h 19 min
